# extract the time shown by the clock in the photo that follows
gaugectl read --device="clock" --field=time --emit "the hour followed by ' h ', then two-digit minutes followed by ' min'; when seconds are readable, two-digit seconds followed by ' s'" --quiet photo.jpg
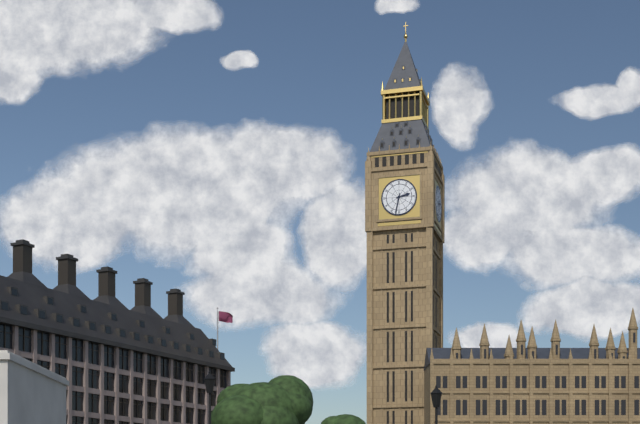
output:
2 h 32 min
